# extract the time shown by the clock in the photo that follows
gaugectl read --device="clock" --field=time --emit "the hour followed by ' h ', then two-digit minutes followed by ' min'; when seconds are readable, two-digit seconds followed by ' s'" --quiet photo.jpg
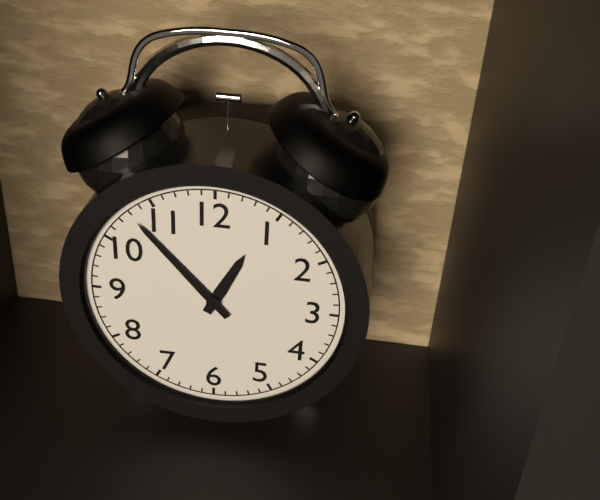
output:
12 h 53 min
